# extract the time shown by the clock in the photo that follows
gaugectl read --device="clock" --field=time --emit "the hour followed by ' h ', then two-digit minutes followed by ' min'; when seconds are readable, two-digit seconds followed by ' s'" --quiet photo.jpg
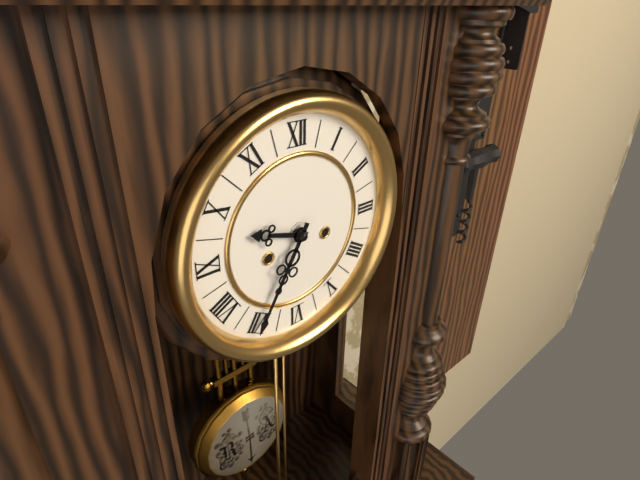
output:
9 h 35 min
